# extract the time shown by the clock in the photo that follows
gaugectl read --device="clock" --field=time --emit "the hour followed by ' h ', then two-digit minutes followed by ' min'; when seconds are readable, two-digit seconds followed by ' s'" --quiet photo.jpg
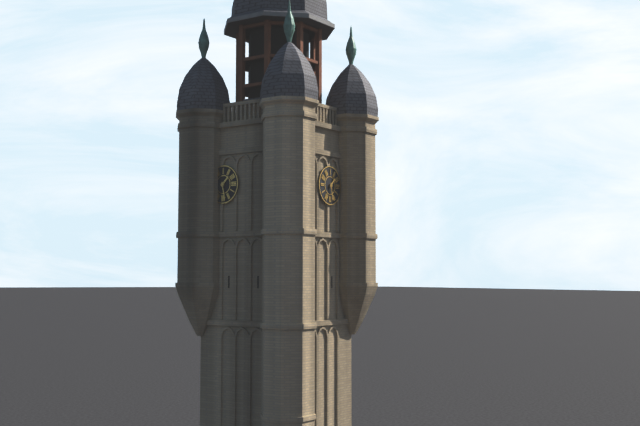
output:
1 h 28 min
